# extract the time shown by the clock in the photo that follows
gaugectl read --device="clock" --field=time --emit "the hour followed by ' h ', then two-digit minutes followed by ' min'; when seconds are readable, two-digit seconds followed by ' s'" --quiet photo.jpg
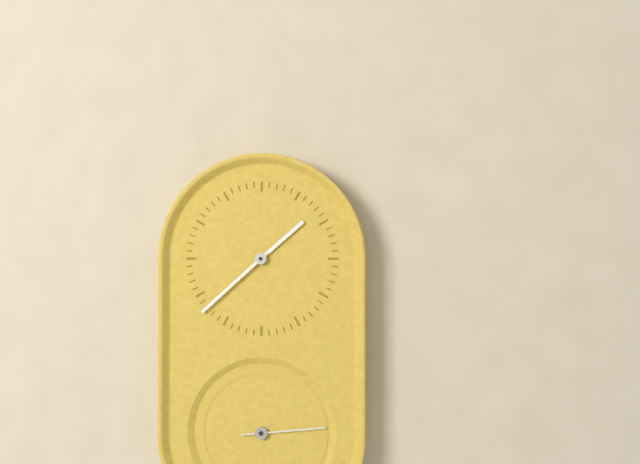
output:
1 h 38 min 14 s
